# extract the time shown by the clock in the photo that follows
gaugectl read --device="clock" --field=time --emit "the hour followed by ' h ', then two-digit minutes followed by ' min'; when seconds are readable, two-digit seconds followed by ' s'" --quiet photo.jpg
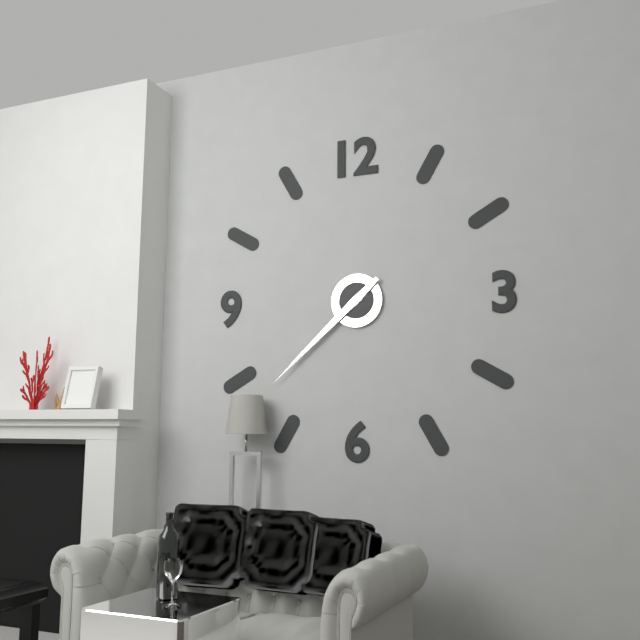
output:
7 h 38 min
